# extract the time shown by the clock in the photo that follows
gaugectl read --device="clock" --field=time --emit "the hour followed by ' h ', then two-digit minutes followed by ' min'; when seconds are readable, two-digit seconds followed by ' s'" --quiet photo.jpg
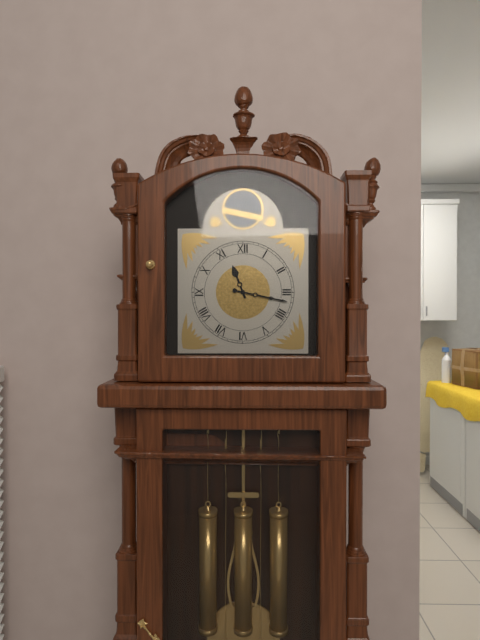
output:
11 h 17 min
